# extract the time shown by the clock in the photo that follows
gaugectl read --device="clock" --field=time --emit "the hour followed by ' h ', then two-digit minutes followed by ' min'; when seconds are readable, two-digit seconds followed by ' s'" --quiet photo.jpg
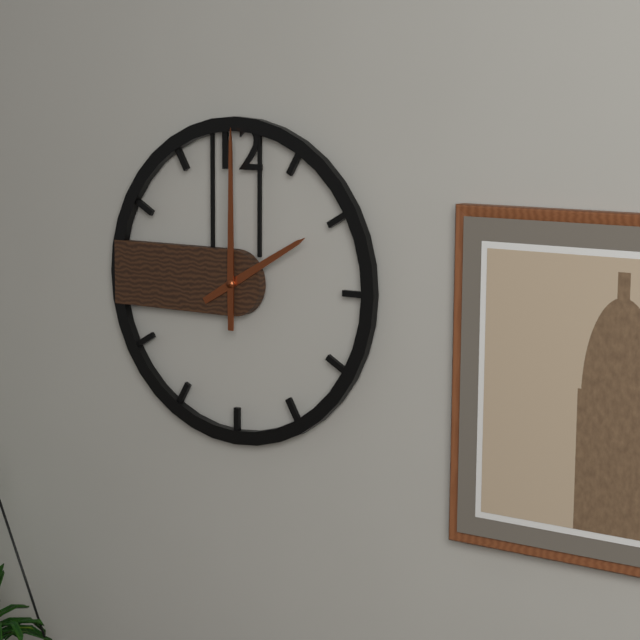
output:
2 h 00 min
